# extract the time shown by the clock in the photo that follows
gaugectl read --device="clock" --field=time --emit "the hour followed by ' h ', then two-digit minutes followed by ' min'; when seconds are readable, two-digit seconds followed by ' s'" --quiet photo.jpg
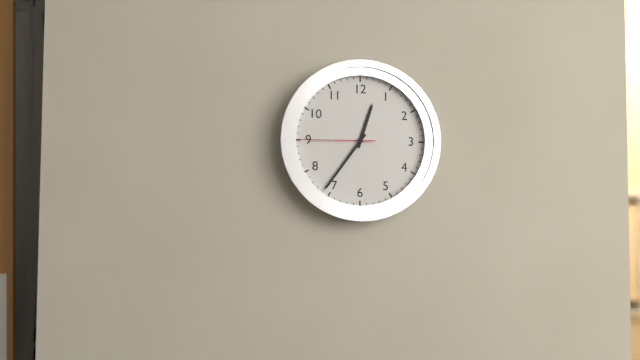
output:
12 h 36 min 45 s
